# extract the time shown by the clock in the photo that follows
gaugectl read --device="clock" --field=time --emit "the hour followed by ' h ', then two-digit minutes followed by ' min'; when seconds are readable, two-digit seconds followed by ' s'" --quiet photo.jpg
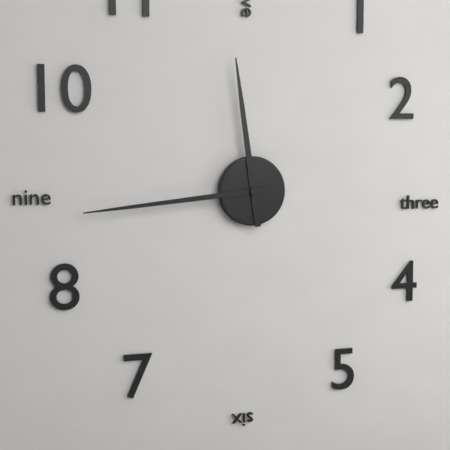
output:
11 h 44 min
